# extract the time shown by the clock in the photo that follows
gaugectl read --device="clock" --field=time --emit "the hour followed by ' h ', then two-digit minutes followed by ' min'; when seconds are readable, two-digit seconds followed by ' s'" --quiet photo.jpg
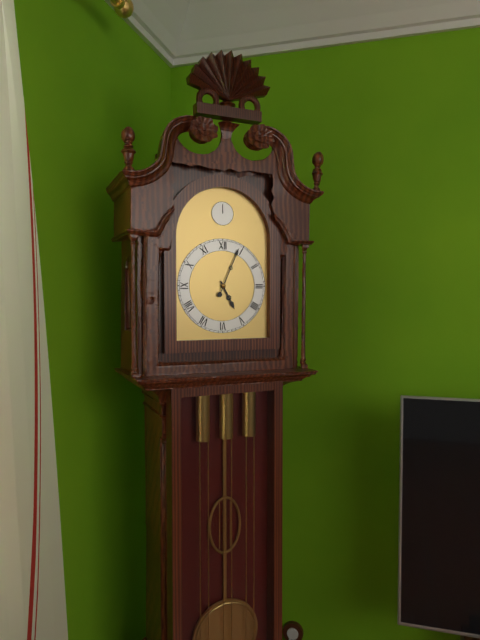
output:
5 h 04 min
